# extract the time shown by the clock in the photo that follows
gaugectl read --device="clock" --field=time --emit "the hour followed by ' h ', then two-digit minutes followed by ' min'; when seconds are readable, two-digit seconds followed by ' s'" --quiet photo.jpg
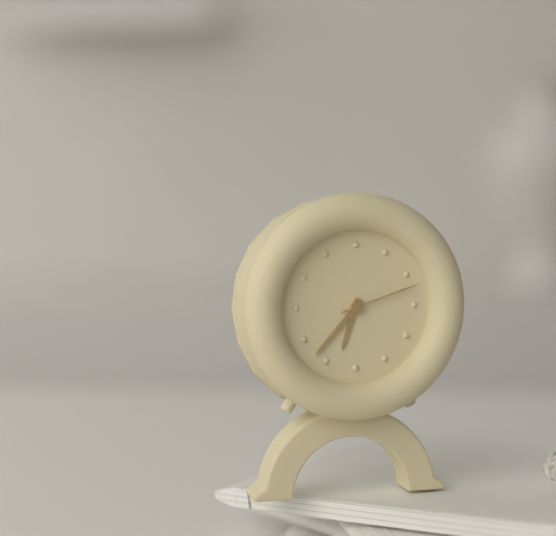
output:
6 h 37 min 12 s
